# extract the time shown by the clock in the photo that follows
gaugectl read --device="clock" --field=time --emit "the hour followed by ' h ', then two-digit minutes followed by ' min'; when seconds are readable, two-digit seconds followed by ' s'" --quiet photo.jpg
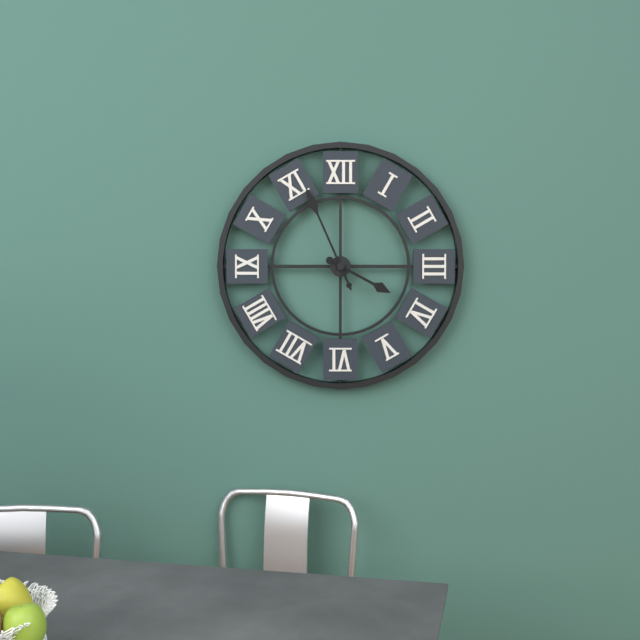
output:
3 h 56 min
